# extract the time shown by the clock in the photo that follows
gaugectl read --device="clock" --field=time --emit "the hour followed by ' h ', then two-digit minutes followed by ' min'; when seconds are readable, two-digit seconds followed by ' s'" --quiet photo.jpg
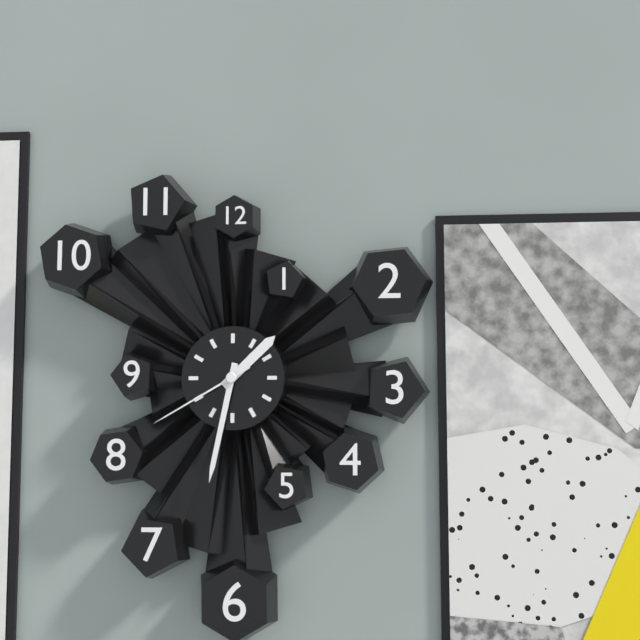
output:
1 h 32 min 40 s
